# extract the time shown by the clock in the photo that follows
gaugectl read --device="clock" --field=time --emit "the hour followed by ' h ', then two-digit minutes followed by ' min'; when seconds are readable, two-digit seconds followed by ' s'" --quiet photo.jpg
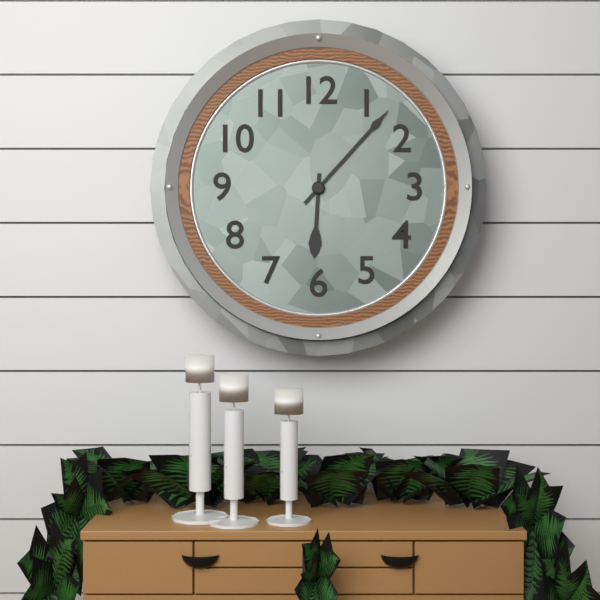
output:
6 h 07 min
